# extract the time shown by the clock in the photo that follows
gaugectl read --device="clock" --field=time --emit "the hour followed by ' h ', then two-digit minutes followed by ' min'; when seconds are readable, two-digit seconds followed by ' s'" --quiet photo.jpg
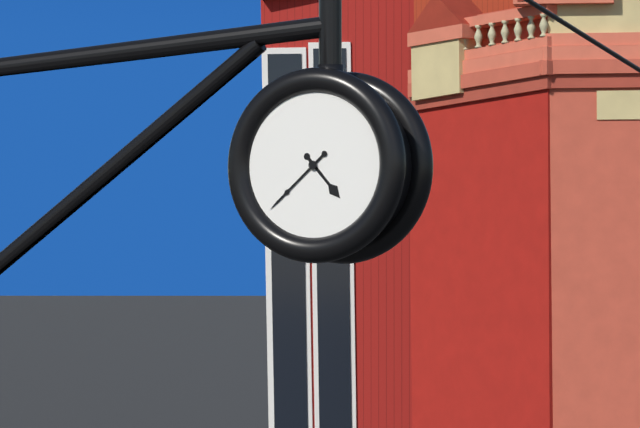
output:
4 h 38 min
